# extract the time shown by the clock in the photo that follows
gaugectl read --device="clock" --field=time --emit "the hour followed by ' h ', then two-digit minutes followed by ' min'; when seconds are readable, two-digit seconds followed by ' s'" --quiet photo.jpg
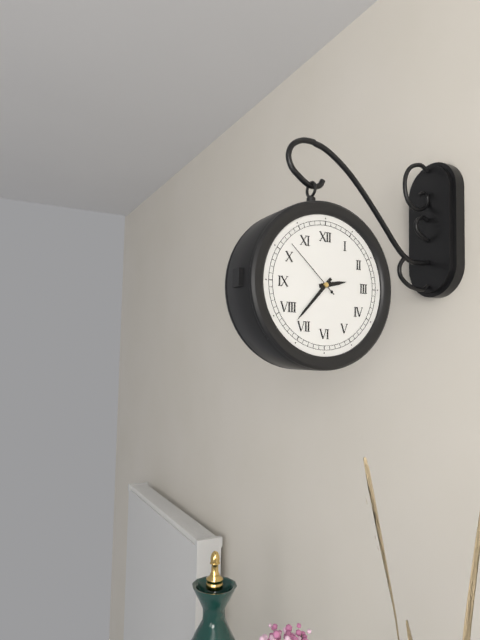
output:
2 h 37 min 52 s
